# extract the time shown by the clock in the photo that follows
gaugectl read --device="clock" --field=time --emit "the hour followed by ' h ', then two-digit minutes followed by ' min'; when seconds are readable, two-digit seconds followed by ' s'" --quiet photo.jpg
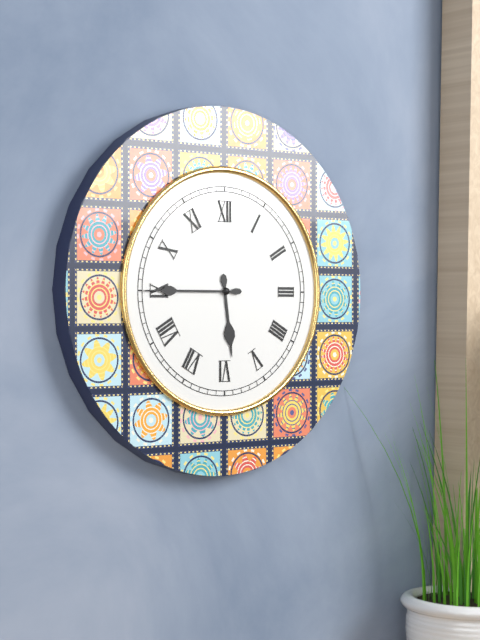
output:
5 h 45 min
